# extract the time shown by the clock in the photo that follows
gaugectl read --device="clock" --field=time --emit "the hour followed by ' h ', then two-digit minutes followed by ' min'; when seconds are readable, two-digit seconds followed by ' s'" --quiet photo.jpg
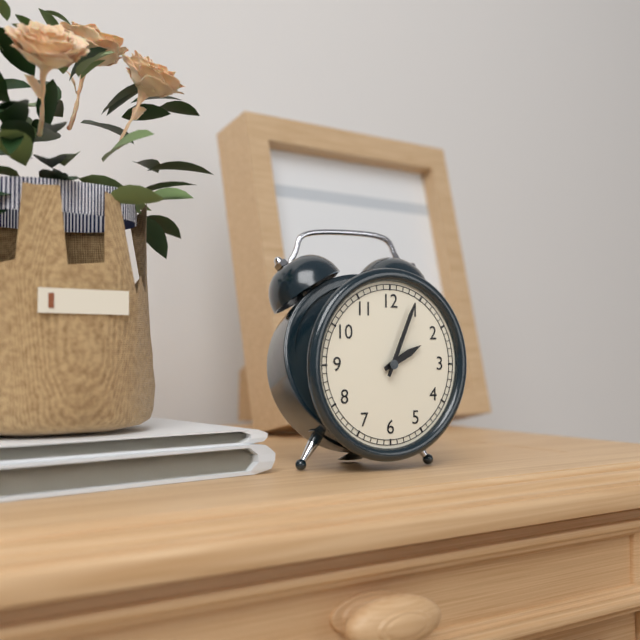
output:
2 h 04 min
